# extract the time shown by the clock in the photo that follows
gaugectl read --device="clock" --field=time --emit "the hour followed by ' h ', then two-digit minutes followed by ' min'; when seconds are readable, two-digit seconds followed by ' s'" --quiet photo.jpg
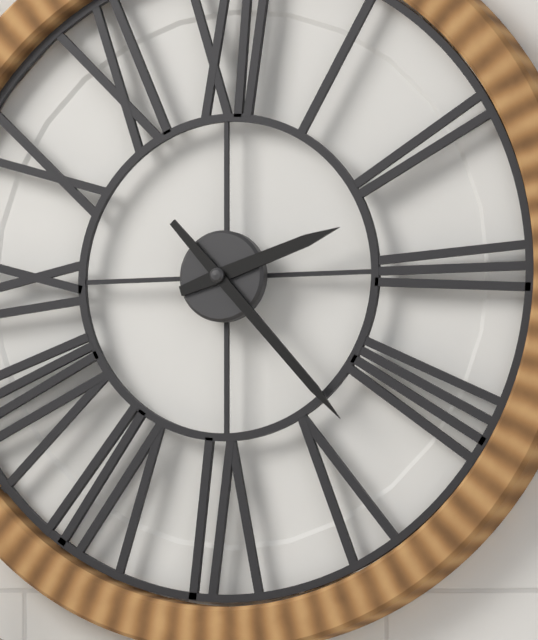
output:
2 h 23 min
